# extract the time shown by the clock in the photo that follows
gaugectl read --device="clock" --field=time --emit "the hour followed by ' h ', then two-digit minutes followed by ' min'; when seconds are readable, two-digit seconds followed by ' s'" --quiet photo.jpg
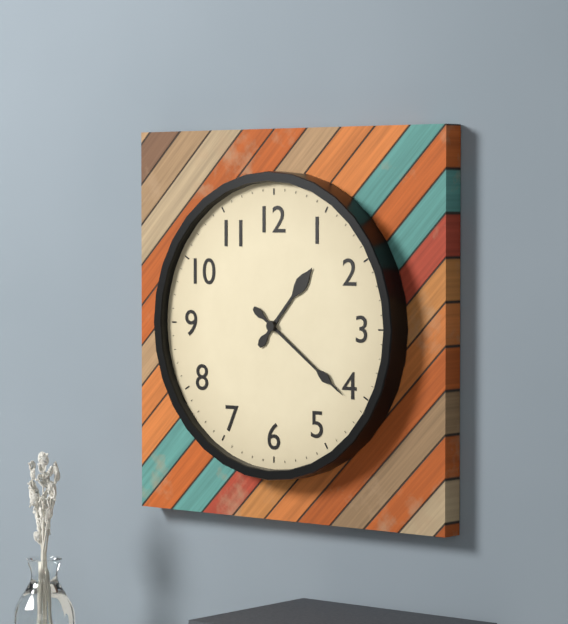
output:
1 h 21 min
